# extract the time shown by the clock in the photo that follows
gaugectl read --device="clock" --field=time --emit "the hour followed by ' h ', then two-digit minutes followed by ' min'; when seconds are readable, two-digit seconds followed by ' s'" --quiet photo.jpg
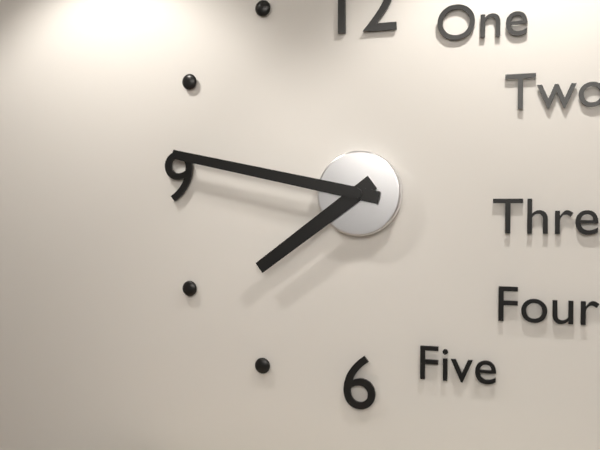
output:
7 h 47 min
